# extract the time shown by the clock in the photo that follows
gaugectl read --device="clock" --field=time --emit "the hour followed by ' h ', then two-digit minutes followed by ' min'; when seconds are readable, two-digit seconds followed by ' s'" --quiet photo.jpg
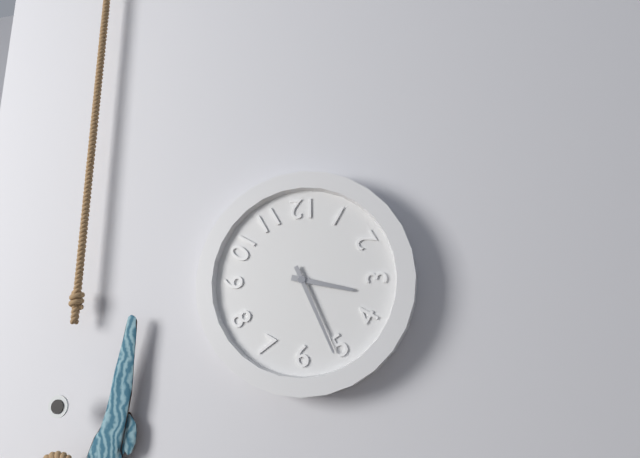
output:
3 h 26 min
